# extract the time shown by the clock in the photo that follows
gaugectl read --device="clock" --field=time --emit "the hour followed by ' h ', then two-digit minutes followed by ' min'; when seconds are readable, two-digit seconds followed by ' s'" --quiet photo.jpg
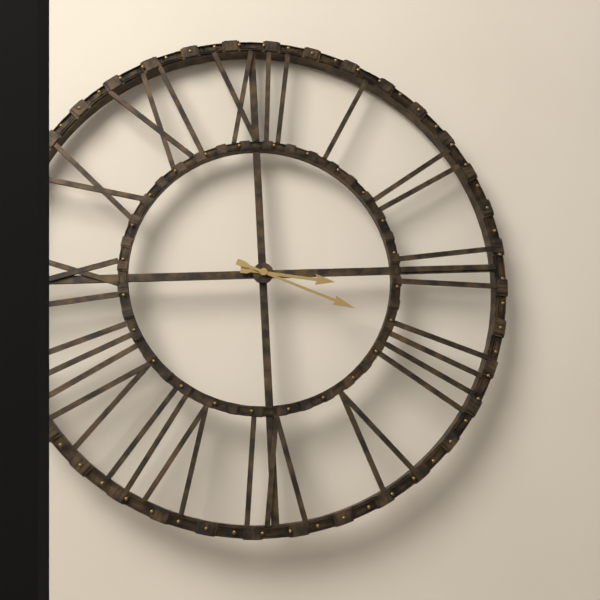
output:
3 h 19 min
